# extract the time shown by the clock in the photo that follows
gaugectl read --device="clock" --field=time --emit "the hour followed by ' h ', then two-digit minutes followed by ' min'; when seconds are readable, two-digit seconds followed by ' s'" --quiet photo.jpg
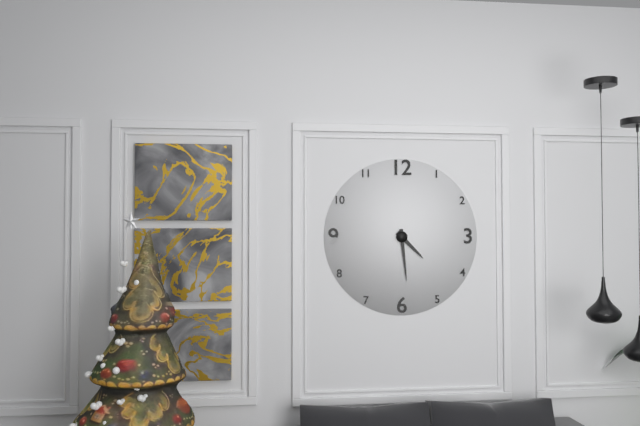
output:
4 h 29 min
